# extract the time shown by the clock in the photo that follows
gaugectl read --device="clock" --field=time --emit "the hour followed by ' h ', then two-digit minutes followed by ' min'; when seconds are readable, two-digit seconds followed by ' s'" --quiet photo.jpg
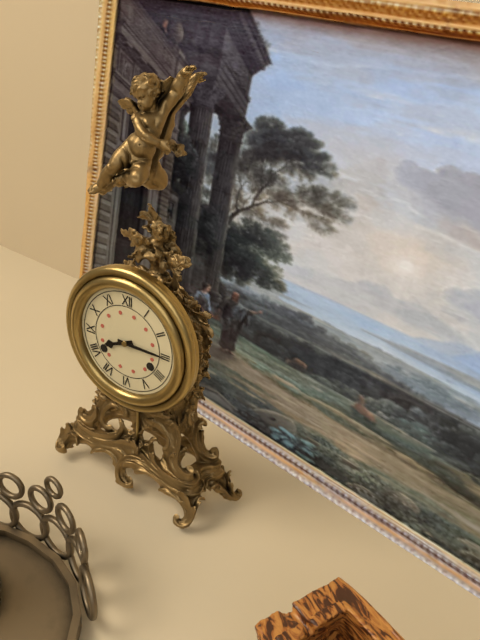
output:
8 h 15 min
